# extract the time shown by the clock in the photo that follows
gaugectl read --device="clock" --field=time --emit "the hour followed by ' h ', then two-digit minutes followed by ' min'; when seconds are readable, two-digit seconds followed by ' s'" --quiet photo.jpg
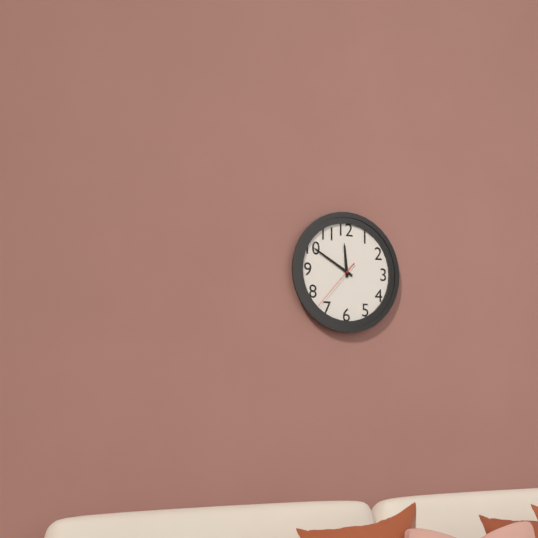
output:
11 h 50 min 37 s
